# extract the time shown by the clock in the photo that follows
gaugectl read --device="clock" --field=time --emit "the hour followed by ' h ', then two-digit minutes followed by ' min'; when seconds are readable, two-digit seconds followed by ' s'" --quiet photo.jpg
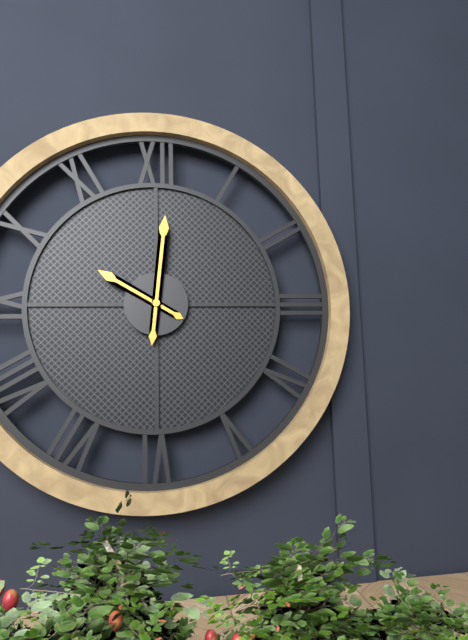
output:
10 h 01 min
